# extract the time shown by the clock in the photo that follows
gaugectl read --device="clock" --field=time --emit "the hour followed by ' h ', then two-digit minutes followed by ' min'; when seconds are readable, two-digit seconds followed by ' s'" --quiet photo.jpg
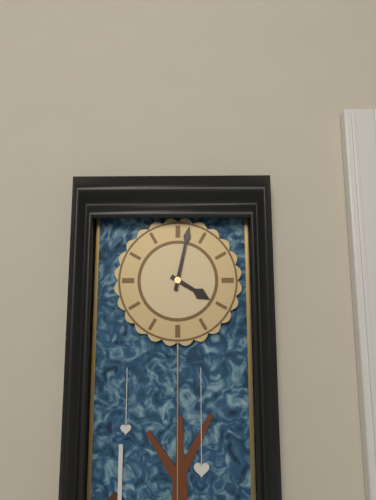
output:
4 h 02 min
